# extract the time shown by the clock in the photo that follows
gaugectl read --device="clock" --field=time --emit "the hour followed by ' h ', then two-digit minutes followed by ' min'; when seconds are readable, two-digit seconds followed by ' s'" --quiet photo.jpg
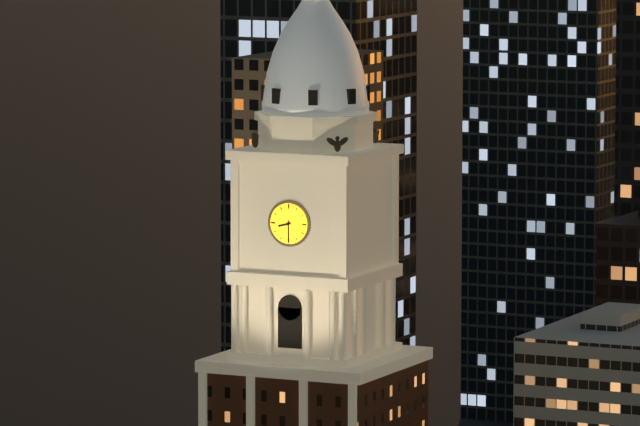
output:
8 h 30 min
